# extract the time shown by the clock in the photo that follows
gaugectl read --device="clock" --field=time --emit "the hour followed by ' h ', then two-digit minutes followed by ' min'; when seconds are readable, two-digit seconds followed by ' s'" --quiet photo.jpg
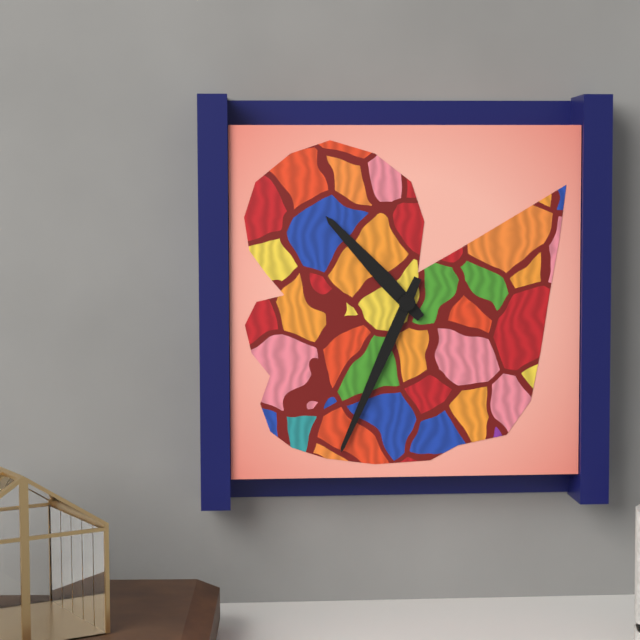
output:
10 h 34 min
